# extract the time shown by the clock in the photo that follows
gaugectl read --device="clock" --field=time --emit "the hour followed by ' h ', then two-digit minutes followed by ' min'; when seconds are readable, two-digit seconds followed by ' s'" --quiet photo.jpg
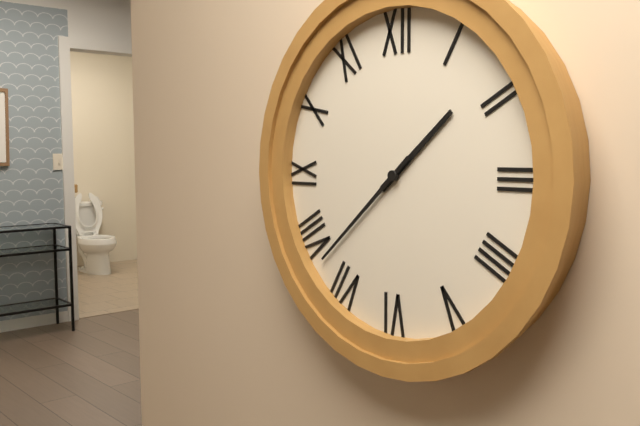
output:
1 h 38 min
